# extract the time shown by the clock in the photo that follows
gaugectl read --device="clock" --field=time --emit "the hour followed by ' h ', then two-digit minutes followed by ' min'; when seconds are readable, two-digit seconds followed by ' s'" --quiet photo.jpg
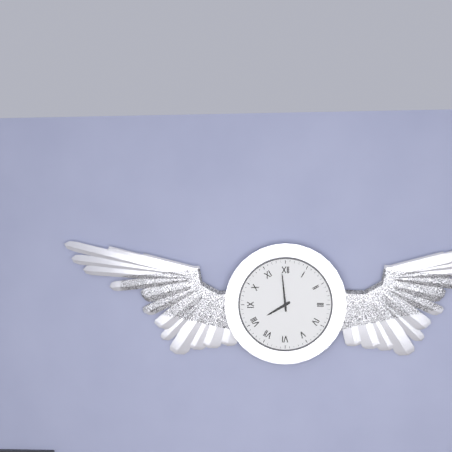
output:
7 h 59 min
